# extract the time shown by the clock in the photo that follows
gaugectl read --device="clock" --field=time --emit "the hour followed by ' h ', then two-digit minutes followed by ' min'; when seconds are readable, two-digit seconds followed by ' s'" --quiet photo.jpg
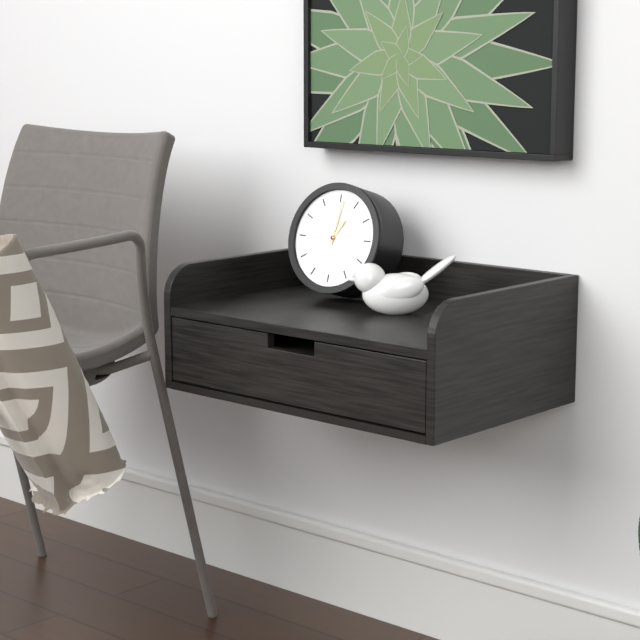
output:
1 h 01 min
